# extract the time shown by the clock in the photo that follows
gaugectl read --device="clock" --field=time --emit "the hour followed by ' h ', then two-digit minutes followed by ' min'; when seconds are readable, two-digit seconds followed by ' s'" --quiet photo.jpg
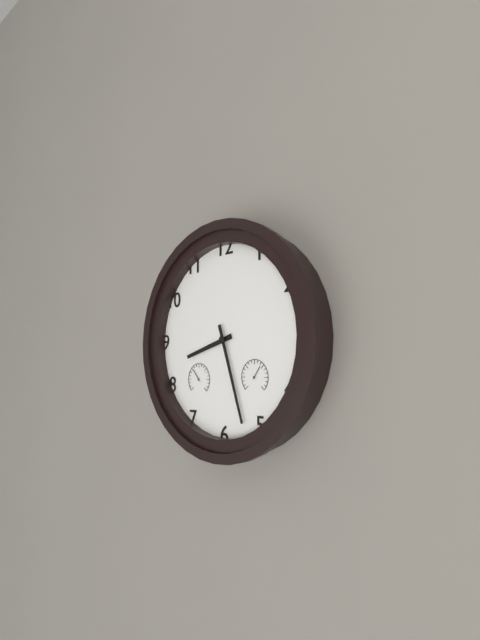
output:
8 h 27 min
